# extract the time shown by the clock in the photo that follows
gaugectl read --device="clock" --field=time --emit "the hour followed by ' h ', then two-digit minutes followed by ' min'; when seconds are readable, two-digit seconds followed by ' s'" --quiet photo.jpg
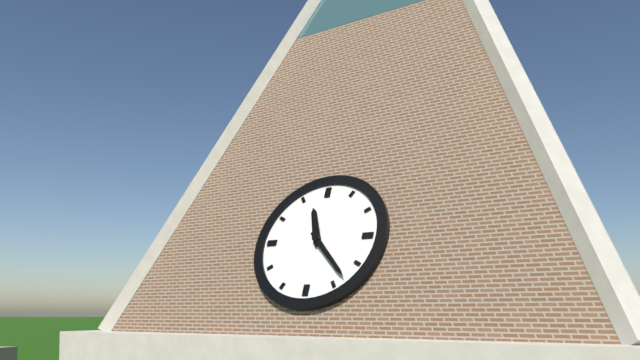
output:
11 h 23 min
